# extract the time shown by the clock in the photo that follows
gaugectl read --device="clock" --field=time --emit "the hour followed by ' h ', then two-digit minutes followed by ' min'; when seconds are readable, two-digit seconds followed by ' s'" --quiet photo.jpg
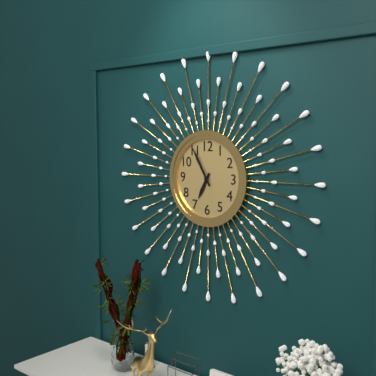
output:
6 h 55 min
